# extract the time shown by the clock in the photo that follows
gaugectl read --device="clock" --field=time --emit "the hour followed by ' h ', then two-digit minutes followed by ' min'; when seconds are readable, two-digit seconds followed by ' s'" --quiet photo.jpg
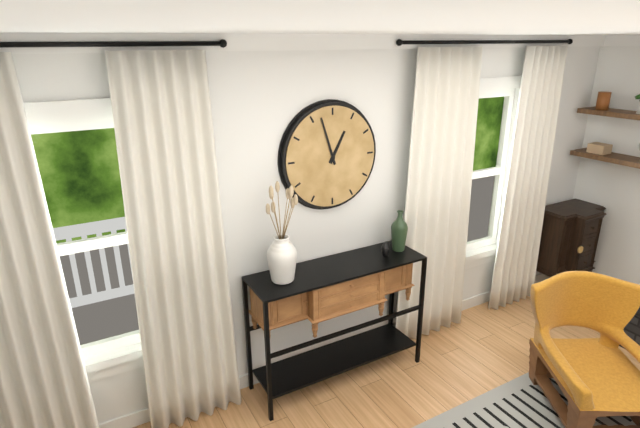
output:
12 h 57 min
